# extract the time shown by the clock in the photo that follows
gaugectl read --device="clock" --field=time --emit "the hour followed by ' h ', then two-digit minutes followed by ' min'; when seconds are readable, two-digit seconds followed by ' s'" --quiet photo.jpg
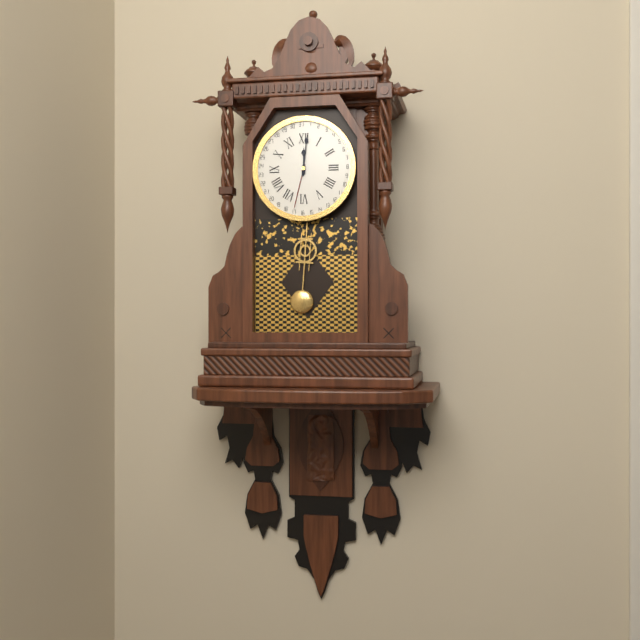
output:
12 h 01 min
